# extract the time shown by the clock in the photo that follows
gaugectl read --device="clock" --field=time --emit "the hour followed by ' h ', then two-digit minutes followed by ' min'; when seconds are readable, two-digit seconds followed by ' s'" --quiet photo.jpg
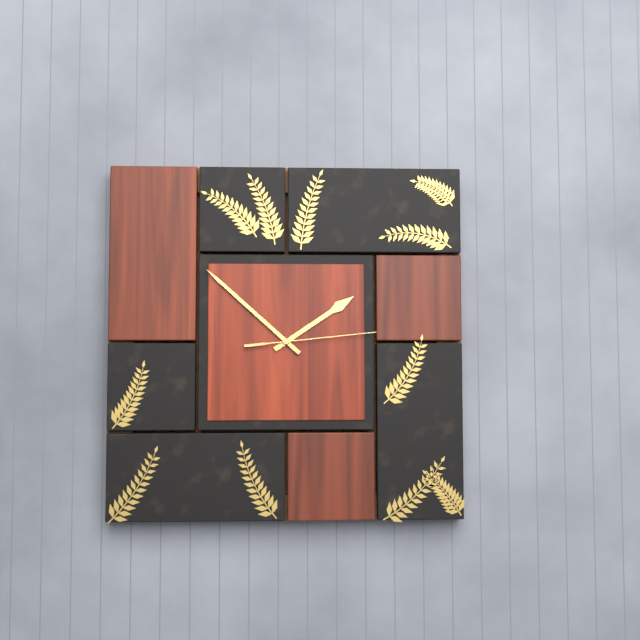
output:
1 h 52 min 14 s
